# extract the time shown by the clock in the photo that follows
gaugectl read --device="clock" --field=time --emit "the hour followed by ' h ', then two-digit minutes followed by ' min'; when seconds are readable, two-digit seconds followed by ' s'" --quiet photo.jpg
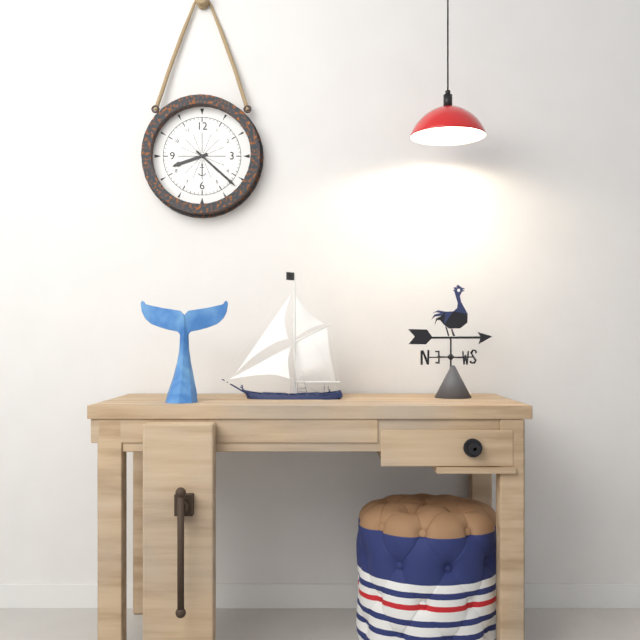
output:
8 h 22 min
